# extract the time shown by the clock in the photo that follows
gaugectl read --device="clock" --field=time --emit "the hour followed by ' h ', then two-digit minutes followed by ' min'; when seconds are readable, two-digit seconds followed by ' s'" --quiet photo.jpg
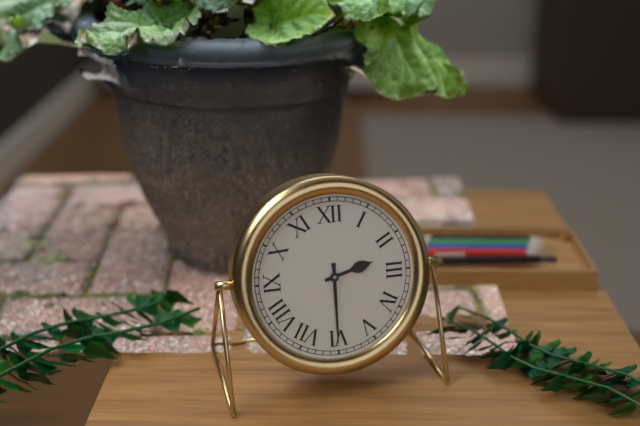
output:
2 h 30 min
